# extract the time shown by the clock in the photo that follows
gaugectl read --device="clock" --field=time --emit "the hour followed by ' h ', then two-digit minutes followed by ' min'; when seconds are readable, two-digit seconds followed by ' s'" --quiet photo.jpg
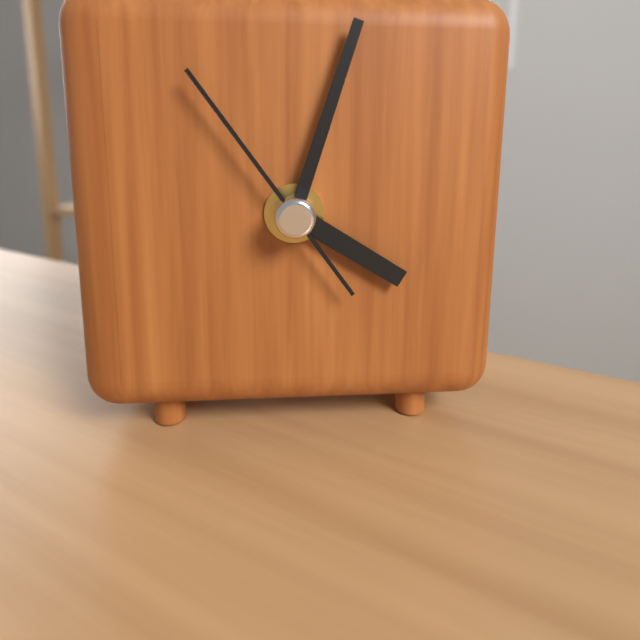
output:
4 h 03 min 54 s
